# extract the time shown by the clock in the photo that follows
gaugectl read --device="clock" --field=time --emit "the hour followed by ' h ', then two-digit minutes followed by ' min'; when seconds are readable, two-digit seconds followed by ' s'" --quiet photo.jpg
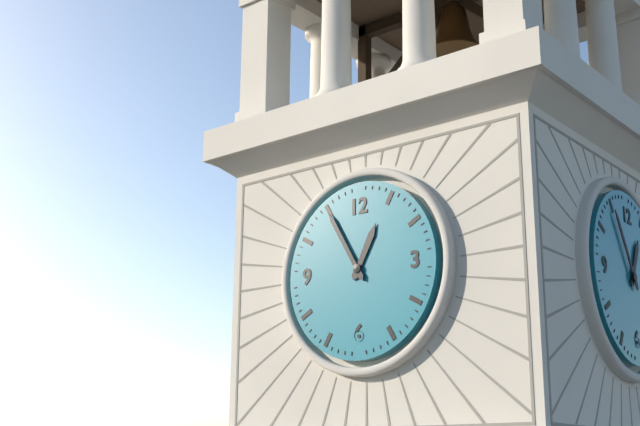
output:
12 h 55 min
